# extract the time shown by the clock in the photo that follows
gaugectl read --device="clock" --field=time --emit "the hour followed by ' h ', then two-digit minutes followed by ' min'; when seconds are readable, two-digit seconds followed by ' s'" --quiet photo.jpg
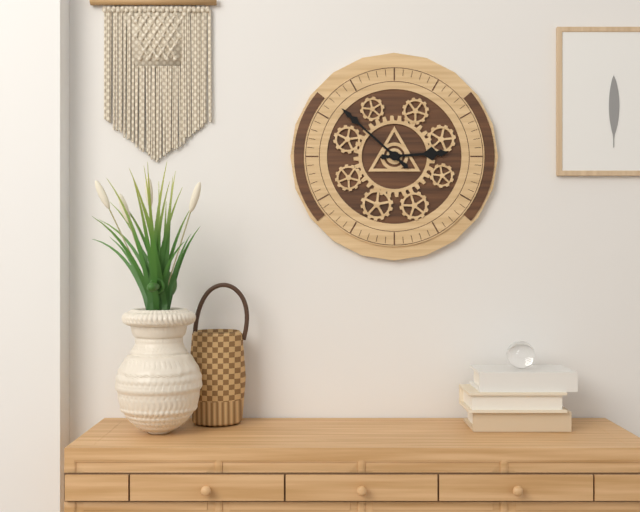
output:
2 h 52 min
